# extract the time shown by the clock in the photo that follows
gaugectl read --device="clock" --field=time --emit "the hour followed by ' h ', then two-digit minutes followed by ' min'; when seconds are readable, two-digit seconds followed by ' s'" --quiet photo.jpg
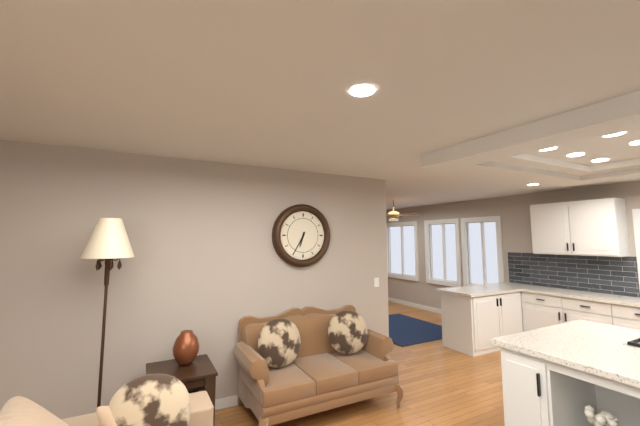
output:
6 h 35 min
